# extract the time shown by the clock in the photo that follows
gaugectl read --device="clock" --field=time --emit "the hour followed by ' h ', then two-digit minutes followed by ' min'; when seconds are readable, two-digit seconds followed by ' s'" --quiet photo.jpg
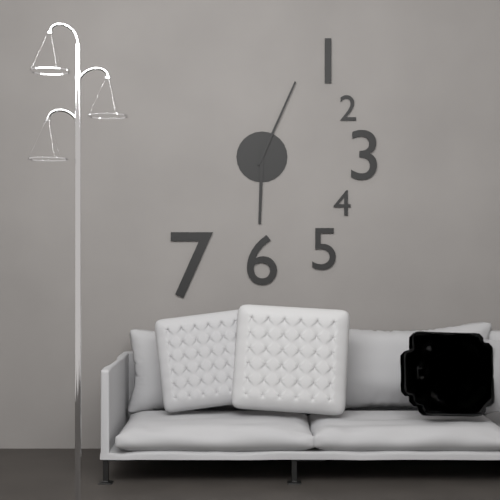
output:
6 h 04 min
